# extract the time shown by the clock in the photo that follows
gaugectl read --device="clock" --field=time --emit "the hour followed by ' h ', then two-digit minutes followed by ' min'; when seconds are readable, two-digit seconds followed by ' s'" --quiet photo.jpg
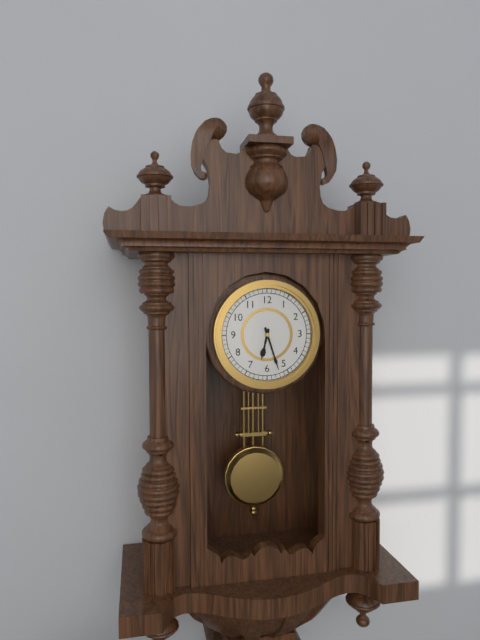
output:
6 h 27 min
